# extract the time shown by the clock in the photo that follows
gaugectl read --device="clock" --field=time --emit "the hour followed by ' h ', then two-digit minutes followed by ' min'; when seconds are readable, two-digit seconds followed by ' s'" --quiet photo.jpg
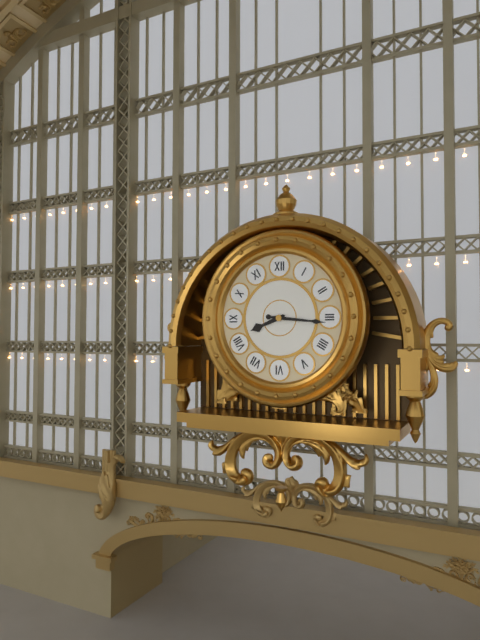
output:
8 h 16 min
